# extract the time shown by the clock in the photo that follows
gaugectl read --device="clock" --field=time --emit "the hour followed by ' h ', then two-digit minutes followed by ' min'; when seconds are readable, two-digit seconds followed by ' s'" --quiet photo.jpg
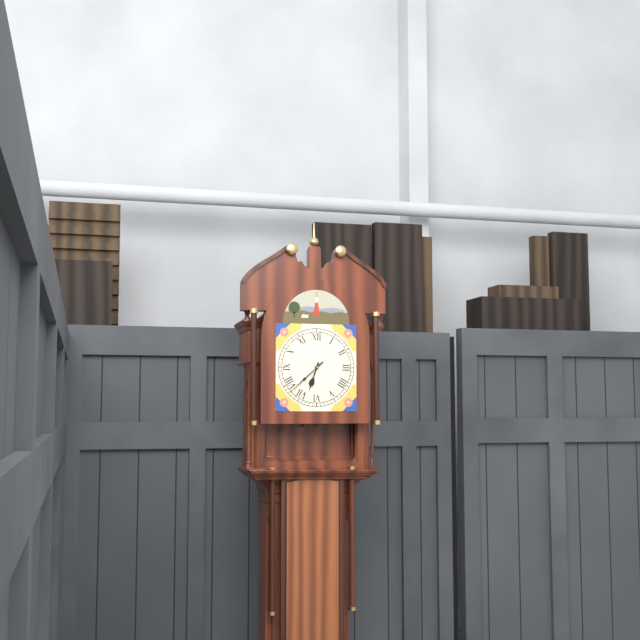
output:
6 h 38 min
